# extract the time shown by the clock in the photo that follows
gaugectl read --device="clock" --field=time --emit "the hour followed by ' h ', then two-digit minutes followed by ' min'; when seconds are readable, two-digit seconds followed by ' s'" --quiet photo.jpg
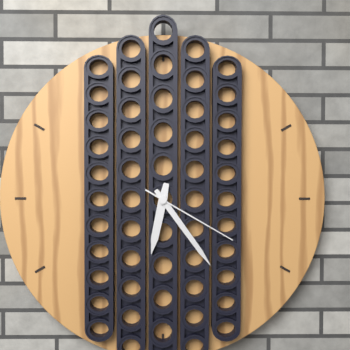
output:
6 h 24 min 20 s
